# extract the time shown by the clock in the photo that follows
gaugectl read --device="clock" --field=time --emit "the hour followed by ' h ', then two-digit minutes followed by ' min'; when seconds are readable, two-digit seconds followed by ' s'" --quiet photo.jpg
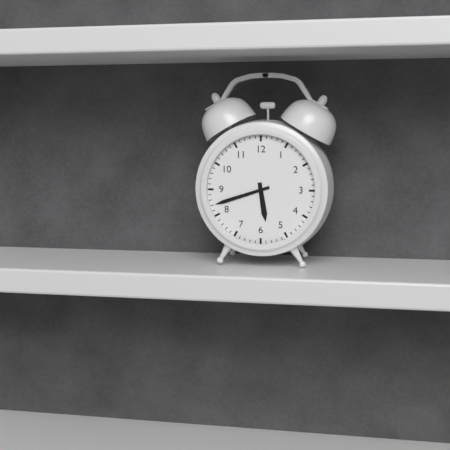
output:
5 h 42 min
